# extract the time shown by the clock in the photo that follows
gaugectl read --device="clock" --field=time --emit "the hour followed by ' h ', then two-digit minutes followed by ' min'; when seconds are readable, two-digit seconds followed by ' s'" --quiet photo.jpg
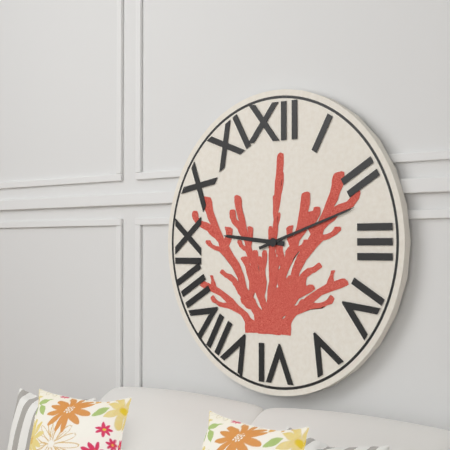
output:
9 h 12 min
